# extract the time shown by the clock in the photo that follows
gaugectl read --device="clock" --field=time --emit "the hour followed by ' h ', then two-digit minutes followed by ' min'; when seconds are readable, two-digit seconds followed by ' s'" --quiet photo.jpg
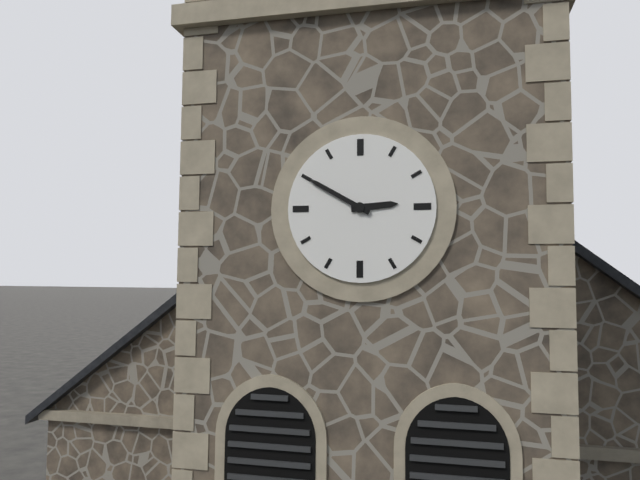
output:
2 h 50 min
